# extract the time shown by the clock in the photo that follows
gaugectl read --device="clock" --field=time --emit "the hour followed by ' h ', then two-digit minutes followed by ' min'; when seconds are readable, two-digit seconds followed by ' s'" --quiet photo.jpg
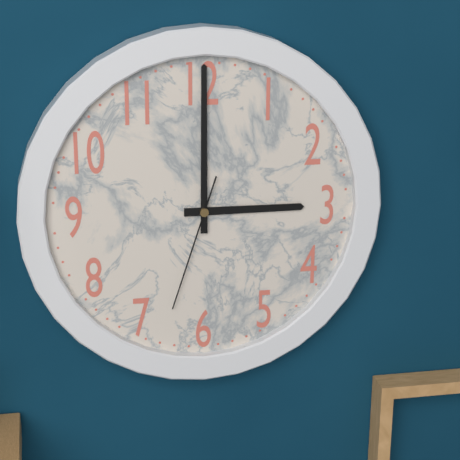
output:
3 h 00 min 33 s
